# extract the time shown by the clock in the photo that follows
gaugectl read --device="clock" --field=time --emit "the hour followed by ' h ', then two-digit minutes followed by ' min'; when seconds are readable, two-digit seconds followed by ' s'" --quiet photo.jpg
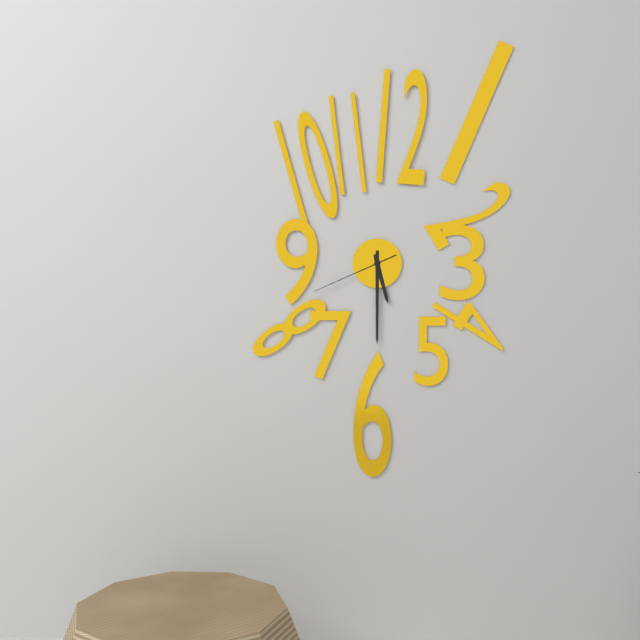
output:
5 h 30 min 41 s
